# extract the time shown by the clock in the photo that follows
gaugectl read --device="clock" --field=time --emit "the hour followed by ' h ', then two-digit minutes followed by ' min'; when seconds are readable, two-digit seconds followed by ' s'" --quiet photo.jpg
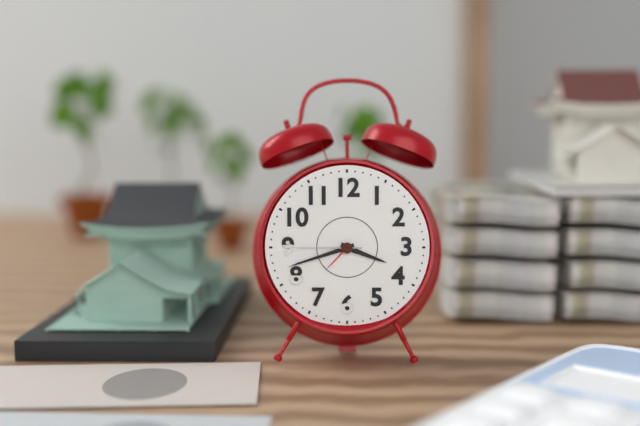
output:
3 h 42 min 45 s
